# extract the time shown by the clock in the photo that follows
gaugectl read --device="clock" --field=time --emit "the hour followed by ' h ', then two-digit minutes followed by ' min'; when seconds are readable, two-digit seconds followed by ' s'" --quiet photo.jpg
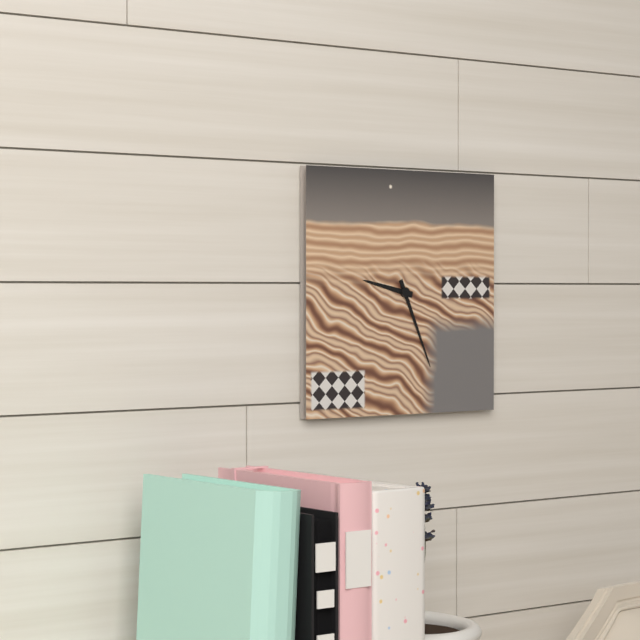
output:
9 h 26 min
